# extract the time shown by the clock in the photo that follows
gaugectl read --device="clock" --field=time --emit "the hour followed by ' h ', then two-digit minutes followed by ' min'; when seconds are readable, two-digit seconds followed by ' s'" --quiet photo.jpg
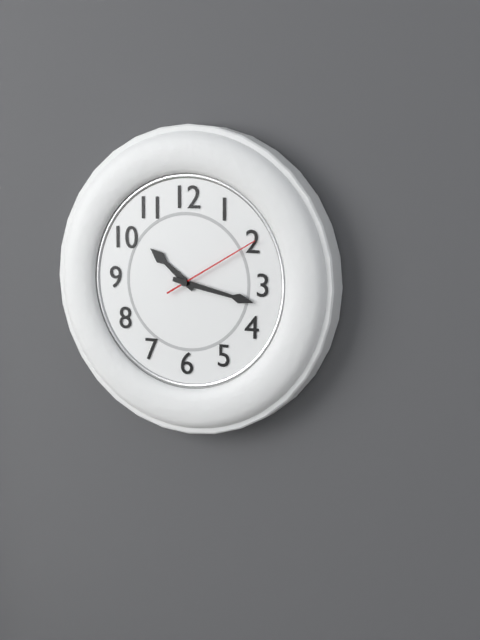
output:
10 h 17 min 10 s
